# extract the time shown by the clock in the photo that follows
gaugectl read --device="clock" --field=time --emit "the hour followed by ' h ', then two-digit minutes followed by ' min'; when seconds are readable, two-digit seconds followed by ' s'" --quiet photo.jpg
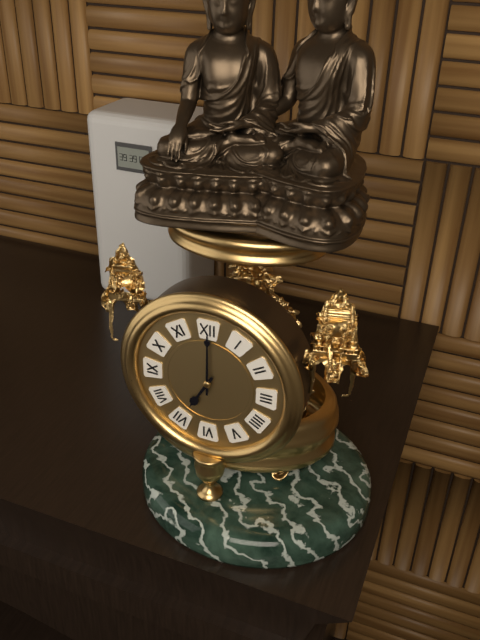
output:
7 h 00 min
